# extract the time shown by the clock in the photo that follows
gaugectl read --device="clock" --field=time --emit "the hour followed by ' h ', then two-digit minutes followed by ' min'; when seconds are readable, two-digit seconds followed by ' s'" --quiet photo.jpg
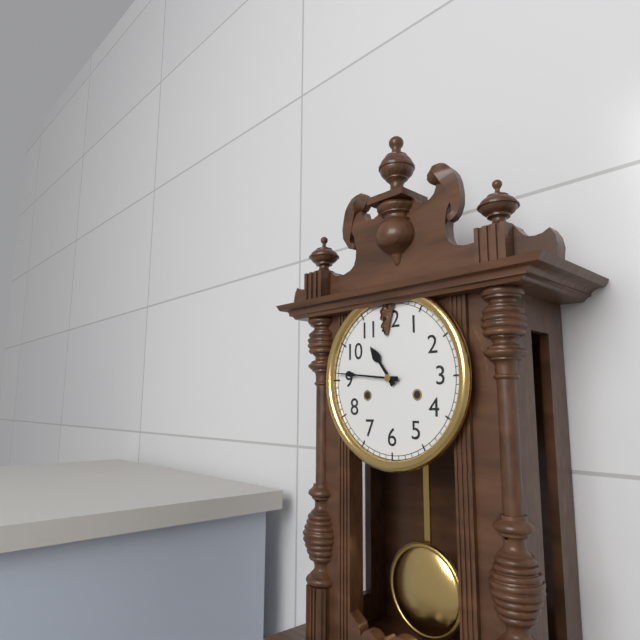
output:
10 h 46 min
